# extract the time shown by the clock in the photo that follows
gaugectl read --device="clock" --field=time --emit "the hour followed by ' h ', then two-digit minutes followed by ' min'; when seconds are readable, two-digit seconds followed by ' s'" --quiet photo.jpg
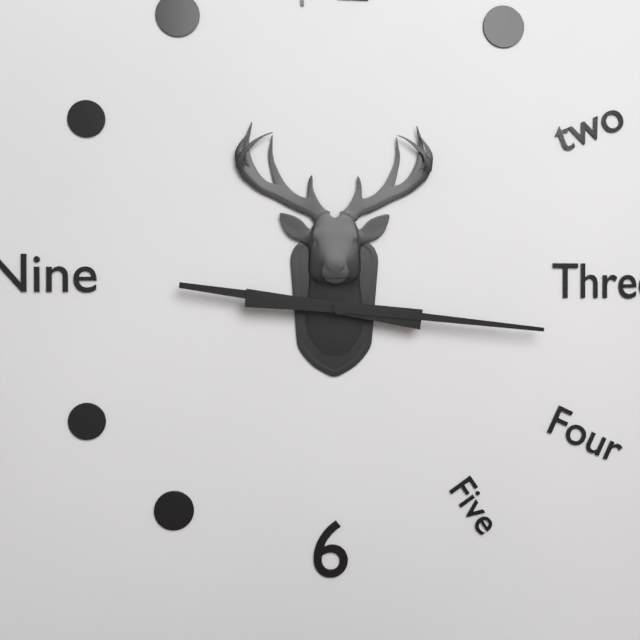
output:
9 h 16 min
